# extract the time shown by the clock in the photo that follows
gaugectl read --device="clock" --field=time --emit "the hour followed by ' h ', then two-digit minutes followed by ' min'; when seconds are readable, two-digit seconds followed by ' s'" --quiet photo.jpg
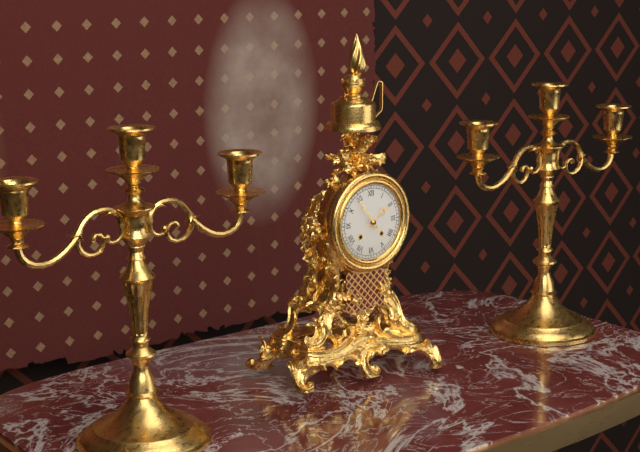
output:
1 h 54 min
